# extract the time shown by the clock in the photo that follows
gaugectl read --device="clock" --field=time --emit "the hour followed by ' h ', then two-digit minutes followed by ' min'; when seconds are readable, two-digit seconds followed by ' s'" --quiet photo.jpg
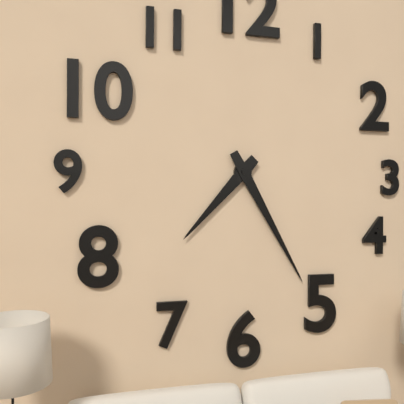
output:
7 h 25 min
